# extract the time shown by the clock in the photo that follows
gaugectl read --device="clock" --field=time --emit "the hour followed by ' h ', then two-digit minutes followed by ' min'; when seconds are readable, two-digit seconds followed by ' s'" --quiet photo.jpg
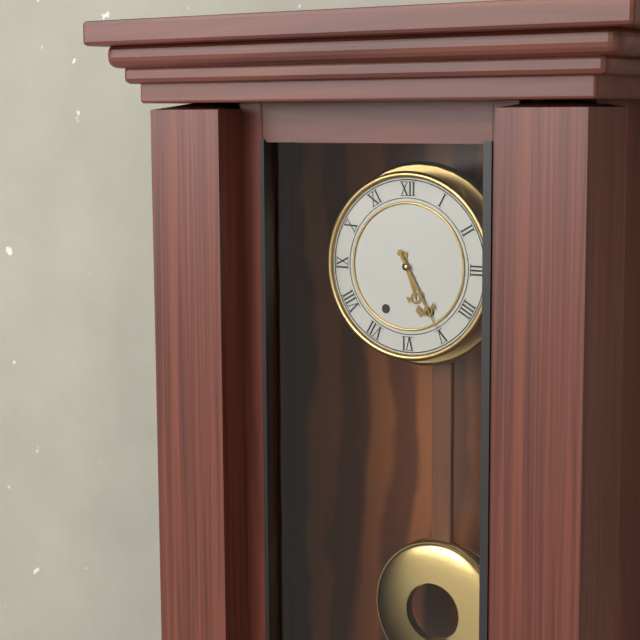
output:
5 h 25 min
